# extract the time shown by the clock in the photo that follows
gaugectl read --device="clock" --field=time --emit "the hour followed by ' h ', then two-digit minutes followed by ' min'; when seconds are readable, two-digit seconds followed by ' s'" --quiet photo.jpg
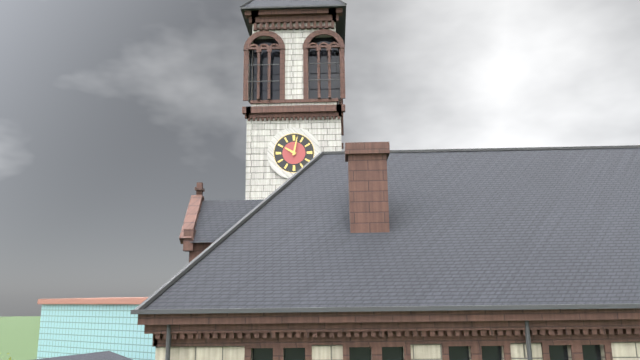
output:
10 h 02 min
